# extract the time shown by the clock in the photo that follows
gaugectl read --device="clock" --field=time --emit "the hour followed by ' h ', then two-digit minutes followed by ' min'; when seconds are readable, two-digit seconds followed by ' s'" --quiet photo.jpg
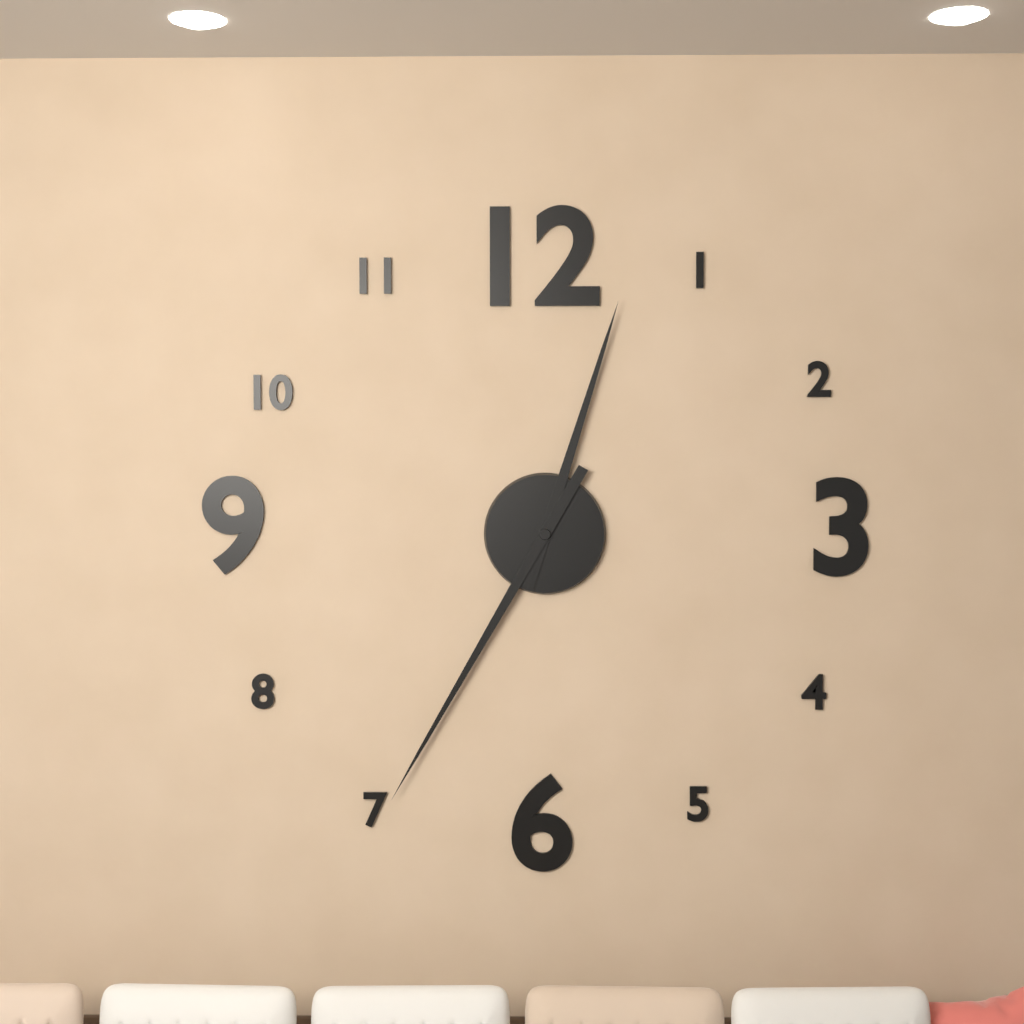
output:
12 h 35 min
